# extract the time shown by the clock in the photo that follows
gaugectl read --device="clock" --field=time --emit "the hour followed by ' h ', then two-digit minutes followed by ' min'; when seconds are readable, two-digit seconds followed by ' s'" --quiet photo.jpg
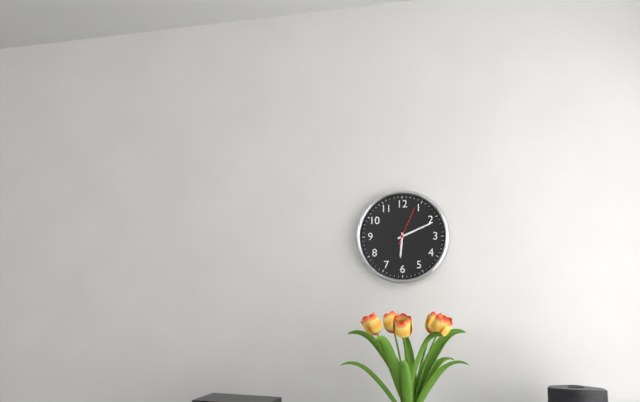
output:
6 h 11 min
